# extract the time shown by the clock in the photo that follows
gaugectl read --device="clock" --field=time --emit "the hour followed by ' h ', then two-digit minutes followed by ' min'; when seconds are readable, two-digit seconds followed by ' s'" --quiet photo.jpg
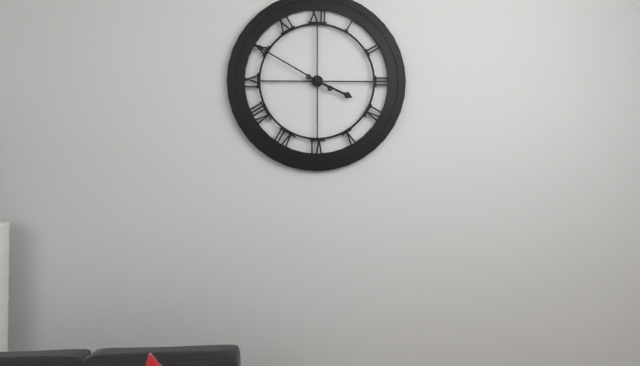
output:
3 h 50 min
